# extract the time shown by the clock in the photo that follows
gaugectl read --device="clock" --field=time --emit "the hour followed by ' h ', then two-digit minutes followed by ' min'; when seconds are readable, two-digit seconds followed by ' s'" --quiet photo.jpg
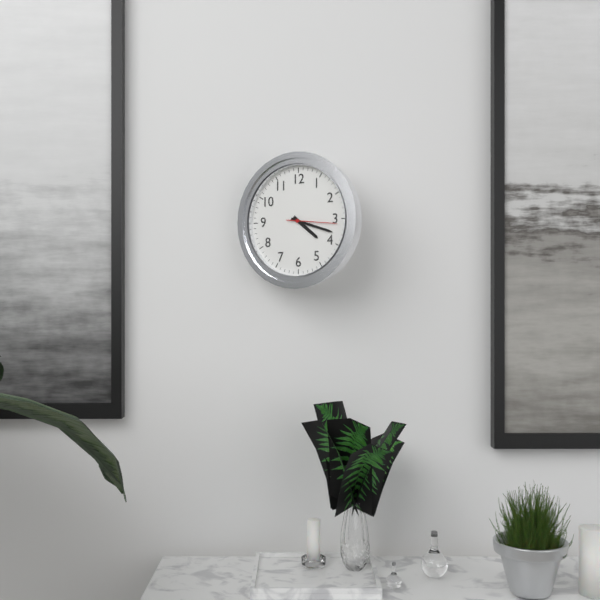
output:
4 h 18 min
